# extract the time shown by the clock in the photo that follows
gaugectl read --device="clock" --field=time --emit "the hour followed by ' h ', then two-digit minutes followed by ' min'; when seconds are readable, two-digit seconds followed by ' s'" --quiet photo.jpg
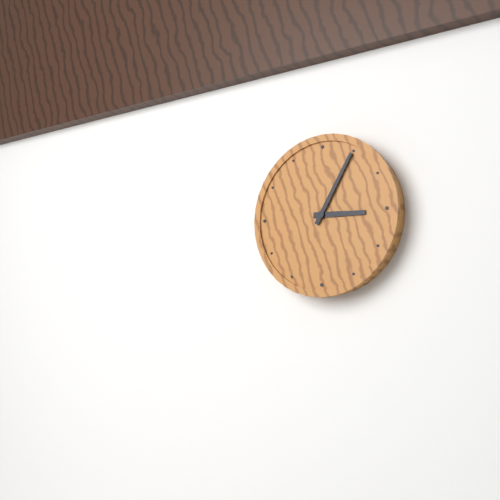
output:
3 h 05 min
